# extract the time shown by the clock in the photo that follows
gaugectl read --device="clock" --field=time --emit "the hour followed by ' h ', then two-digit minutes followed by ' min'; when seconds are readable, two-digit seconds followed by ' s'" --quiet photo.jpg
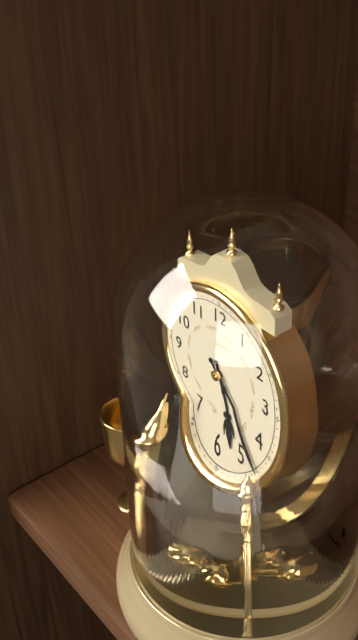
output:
5 h 23 min
